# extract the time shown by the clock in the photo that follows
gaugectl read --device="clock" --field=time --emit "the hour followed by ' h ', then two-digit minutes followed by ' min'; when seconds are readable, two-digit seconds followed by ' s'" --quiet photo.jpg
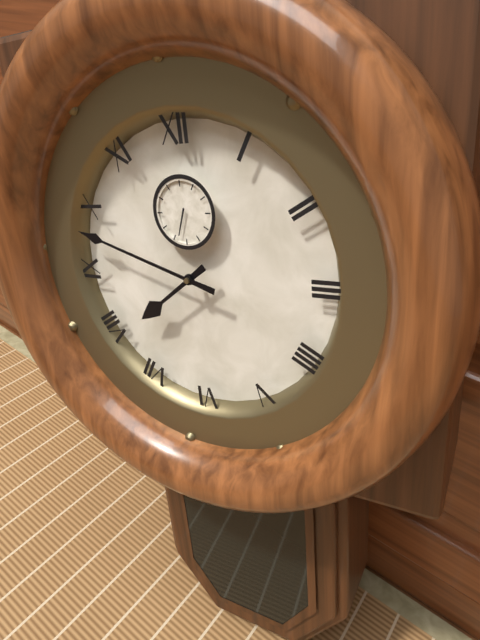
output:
7 h 48 min
